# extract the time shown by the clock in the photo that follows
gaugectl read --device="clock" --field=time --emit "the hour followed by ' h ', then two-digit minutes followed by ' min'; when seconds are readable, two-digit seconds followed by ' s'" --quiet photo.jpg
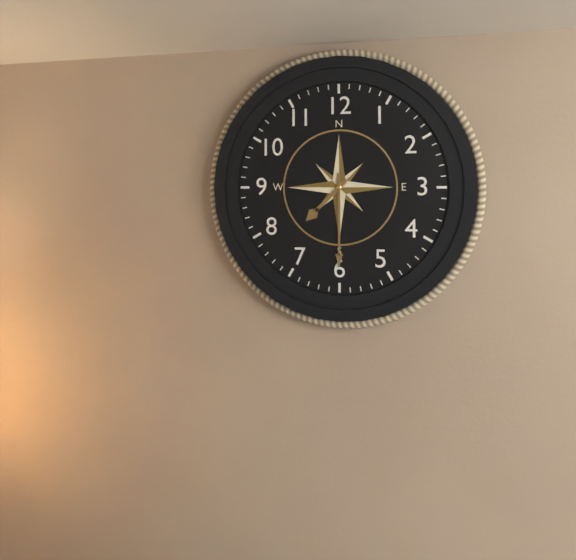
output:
7 h 30 min
